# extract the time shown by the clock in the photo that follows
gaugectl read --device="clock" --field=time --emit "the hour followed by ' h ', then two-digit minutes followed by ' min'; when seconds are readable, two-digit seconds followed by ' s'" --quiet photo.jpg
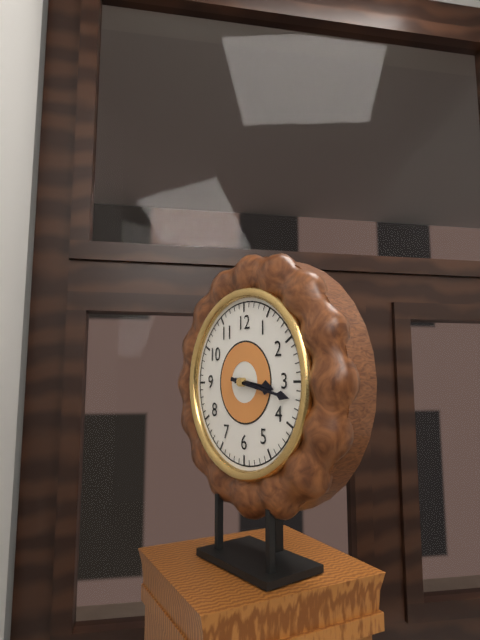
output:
3 h 17 min
